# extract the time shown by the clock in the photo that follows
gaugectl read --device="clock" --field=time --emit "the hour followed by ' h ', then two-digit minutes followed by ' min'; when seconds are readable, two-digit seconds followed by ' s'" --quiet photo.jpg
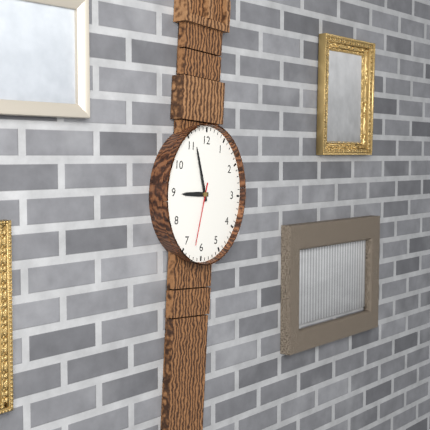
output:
8 h 57 min 32 s
